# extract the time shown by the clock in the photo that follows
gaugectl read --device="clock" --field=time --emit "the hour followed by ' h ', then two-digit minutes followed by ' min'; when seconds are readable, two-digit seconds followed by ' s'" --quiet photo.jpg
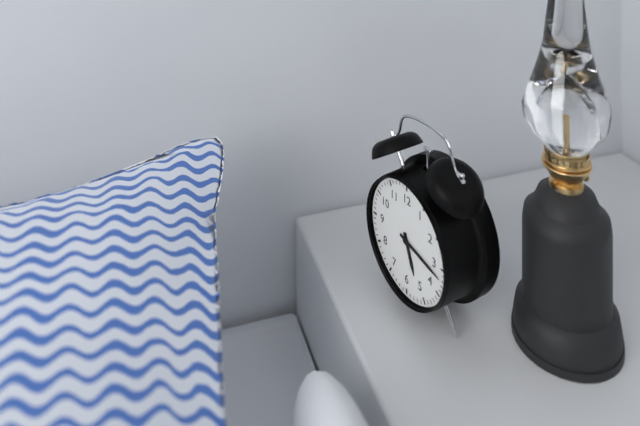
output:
5 h 17 min
